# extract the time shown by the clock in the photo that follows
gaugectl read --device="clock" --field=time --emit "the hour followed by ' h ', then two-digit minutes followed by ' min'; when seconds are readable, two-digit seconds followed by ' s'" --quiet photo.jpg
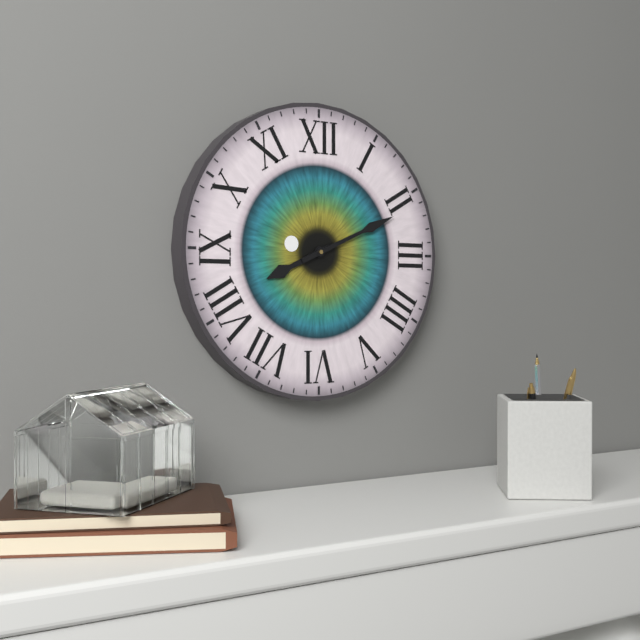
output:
8 h 11 min
